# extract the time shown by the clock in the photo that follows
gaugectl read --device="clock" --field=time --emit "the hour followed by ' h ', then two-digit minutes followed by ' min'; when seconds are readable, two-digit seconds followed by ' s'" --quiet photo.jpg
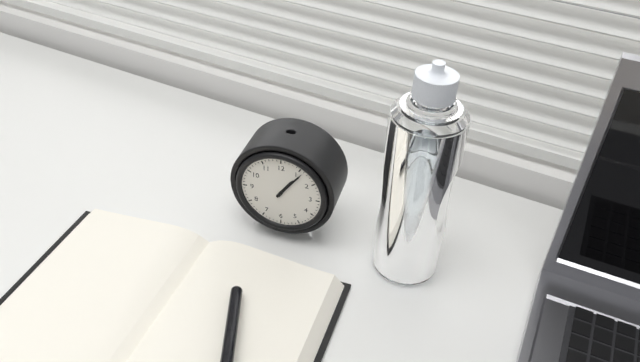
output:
1 h 06 min
